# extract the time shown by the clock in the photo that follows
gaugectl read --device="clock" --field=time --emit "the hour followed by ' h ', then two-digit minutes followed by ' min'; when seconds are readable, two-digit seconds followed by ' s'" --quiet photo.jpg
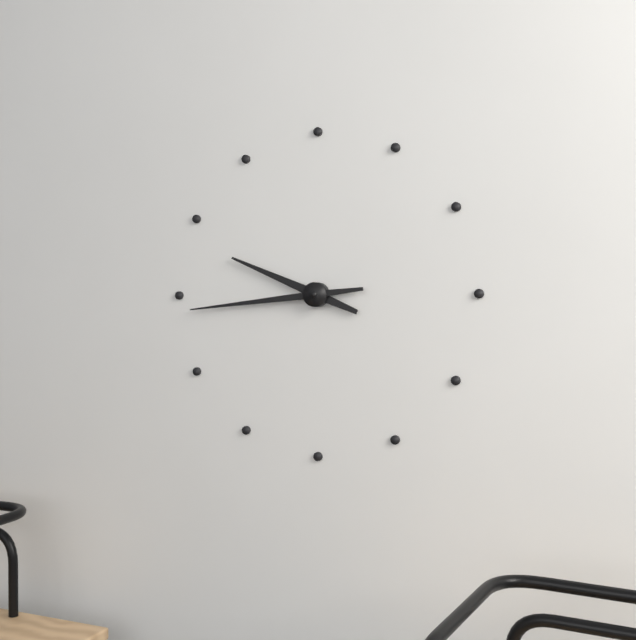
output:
9 h 44 min
